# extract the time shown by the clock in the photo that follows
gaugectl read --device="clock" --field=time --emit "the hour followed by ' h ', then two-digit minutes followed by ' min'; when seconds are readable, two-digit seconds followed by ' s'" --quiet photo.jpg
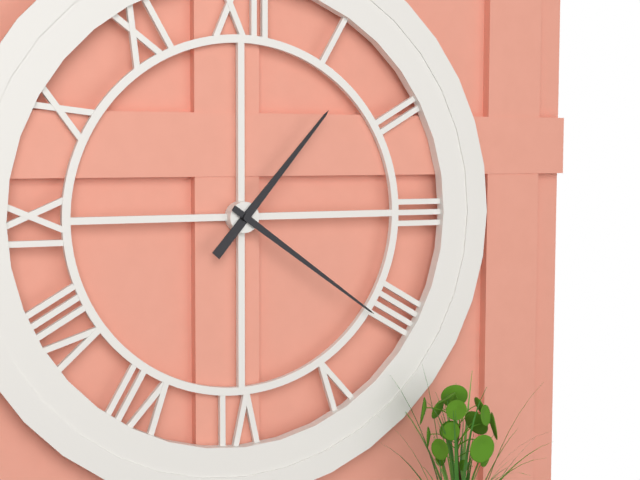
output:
1 h 21 min
